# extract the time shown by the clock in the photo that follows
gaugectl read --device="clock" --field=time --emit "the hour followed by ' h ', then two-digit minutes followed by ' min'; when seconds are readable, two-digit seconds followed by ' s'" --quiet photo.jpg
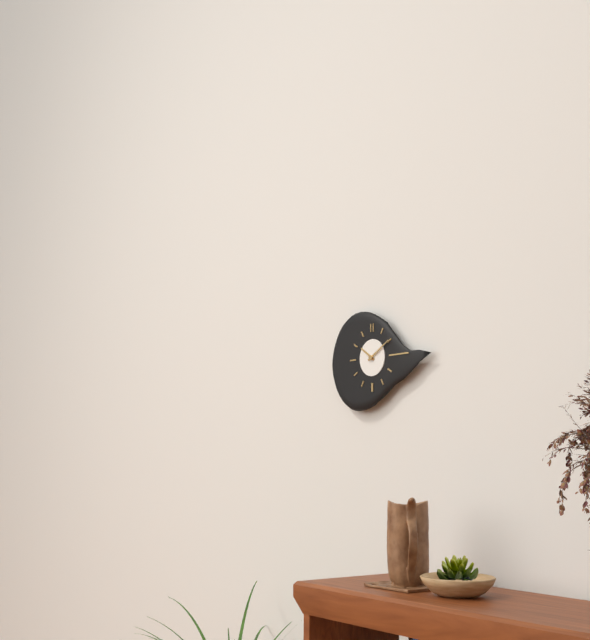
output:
10 h 10 min
